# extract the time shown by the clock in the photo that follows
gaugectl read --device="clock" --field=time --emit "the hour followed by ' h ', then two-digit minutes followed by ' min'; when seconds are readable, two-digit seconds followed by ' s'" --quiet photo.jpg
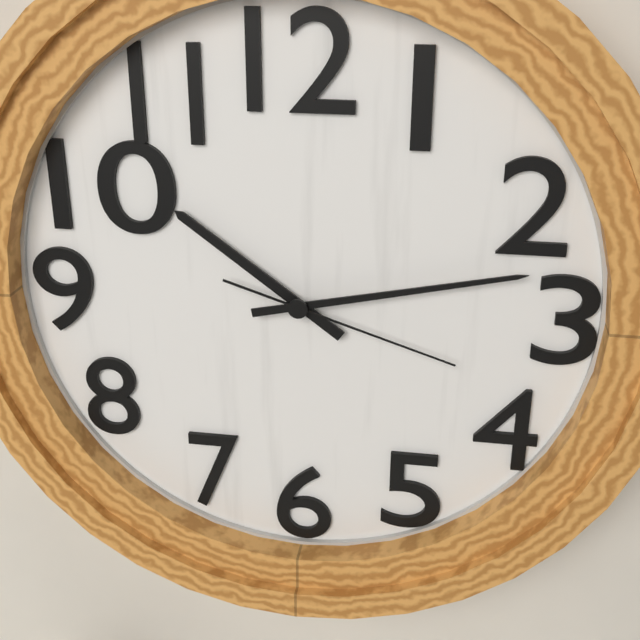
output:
10 h 13 min 18 s
